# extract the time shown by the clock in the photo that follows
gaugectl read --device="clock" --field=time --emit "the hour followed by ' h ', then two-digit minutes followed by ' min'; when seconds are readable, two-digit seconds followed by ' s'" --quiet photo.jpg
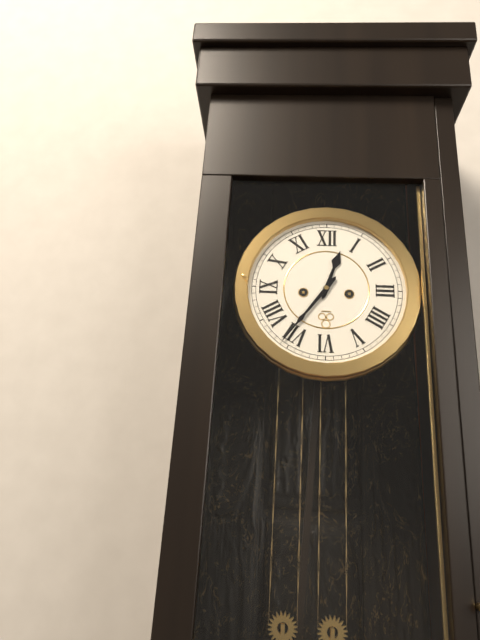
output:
12 h 36 min
